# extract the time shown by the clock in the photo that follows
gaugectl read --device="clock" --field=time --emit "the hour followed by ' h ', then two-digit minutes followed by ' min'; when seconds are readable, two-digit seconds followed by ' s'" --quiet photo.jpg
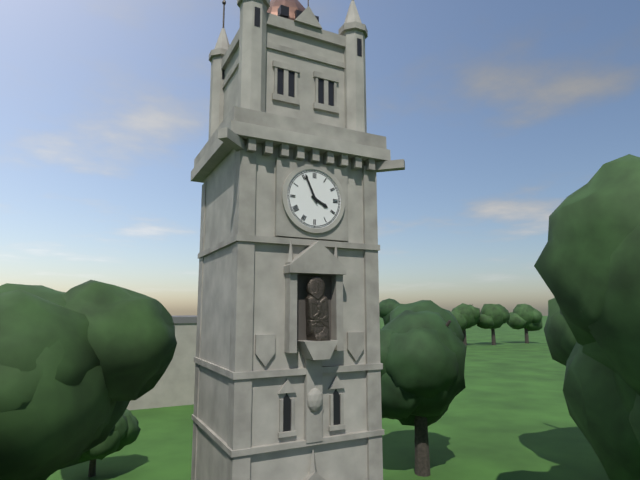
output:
3 h 56 min
